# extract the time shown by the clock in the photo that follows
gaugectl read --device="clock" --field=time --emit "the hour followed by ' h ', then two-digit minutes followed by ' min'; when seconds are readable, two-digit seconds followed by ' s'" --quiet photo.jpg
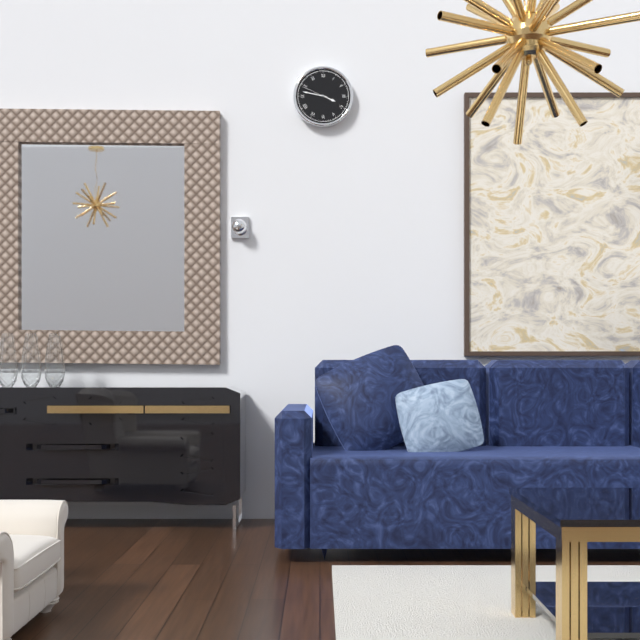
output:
3 h 47 min
